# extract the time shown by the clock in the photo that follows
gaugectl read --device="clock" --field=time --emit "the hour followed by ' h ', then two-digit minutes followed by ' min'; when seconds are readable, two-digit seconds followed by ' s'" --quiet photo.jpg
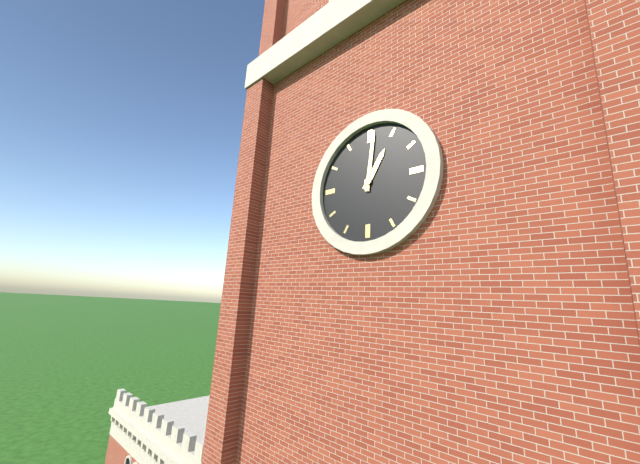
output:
1 h 01 min
